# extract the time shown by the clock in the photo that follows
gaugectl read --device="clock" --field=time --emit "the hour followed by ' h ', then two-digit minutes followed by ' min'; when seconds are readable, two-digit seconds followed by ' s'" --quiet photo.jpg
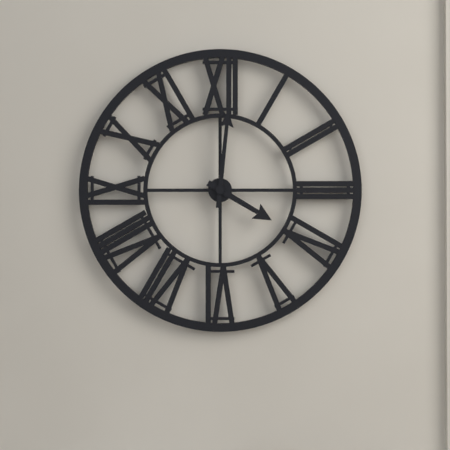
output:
4 h 01 min
